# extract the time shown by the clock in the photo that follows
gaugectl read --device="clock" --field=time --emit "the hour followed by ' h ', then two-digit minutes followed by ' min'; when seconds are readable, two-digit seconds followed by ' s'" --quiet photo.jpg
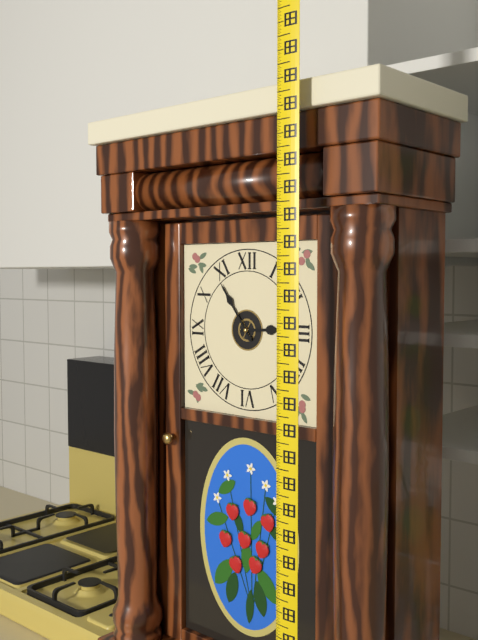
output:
2 h 54 min
